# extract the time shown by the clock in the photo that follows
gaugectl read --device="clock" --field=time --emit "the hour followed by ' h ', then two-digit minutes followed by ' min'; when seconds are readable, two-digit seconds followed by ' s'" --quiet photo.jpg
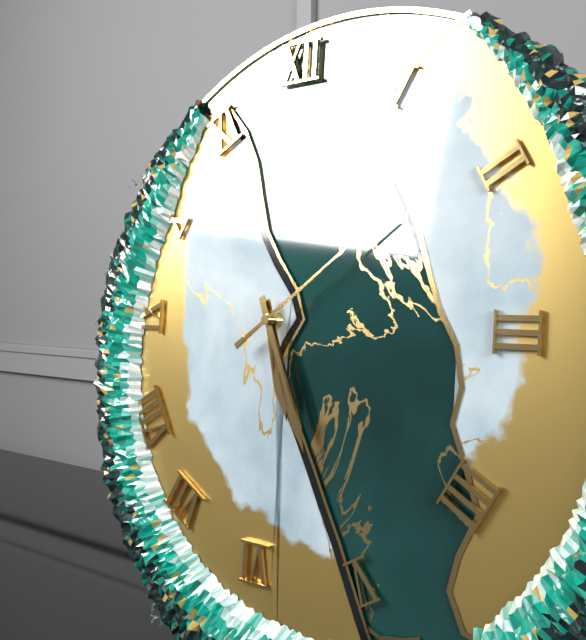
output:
5 h 26 min 09 s
